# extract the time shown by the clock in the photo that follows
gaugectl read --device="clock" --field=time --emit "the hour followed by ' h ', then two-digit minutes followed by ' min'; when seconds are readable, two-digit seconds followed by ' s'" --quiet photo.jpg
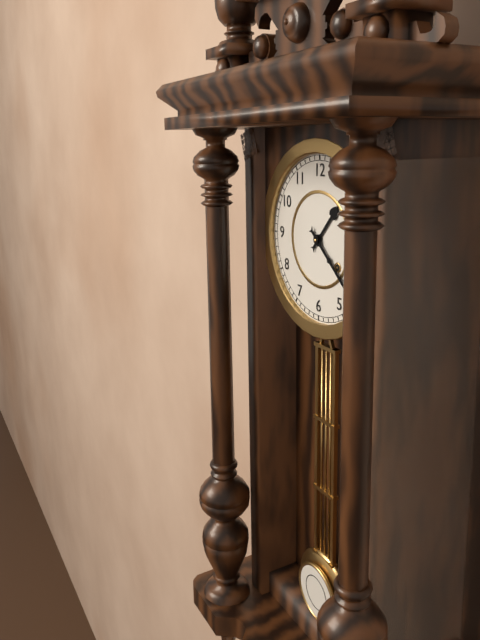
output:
1 h 22 min
